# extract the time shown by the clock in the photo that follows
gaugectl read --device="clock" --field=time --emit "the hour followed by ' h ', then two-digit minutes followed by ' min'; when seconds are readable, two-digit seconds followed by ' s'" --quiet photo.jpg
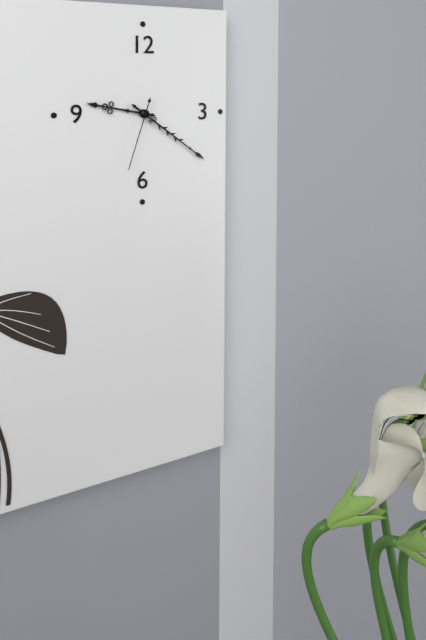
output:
9 h 21 min 33 s
